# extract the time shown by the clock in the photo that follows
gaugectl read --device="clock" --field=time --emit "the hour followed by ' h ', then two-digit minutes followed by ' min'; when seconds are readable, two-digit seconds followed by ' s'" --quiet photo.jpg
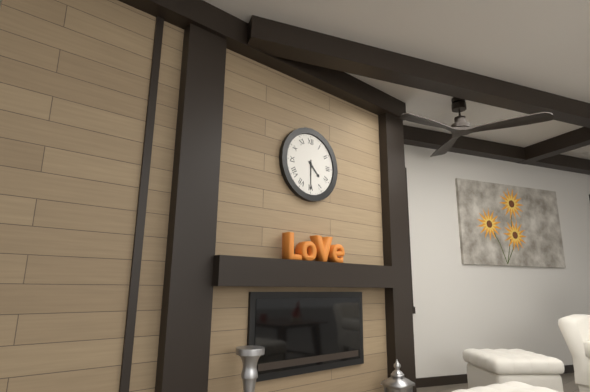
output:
4 h 30 min
